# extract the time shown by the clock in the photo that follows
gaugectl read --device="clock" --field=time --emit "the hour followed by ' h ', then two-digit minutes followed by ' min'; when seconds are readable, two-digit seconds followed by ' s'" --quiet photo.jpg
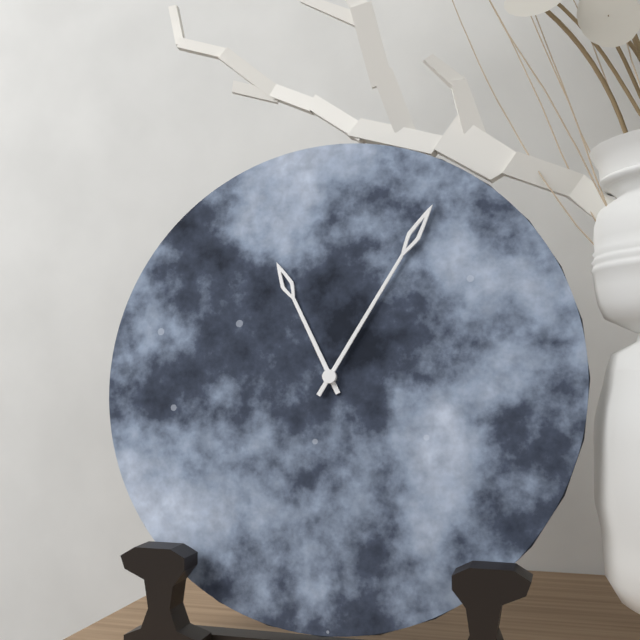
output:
11 h 05 min
